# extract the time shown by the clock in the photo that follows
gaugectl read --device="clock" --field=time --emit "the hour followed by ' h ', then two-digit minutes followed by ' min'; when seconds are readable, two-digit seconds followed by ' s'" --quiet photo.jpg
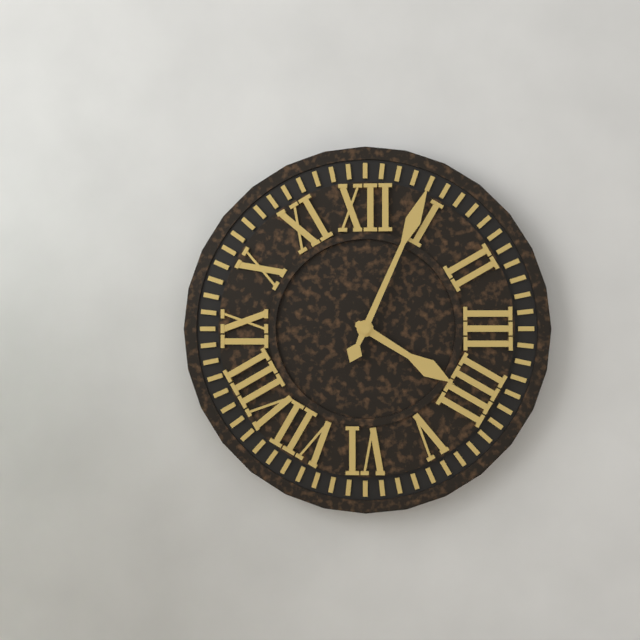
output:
4 h 04 min
